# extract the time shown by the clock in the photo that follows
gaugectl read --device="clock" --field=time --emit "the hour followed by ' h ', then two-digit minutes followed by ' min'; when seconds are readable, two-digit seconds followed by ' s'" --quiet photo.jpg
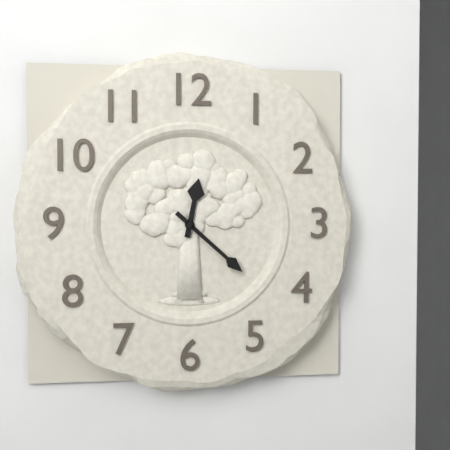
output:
12 h 22 min
